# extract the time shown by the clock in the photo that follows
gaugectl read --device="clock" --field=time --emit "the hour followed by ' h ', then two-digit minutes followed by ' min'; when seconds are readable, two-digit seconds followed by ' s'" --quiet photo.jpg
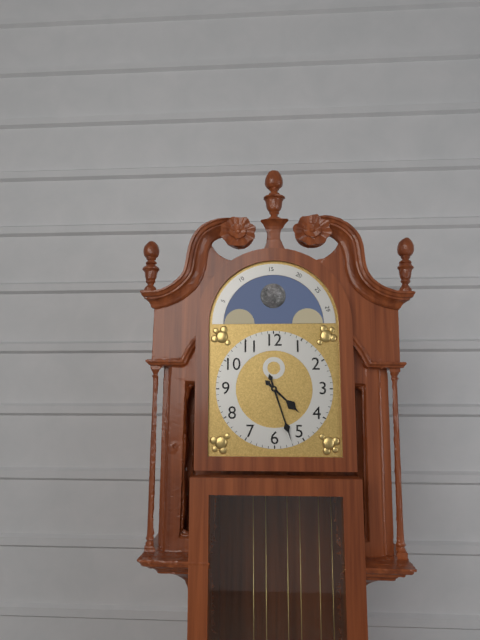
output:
4 h 27 min
